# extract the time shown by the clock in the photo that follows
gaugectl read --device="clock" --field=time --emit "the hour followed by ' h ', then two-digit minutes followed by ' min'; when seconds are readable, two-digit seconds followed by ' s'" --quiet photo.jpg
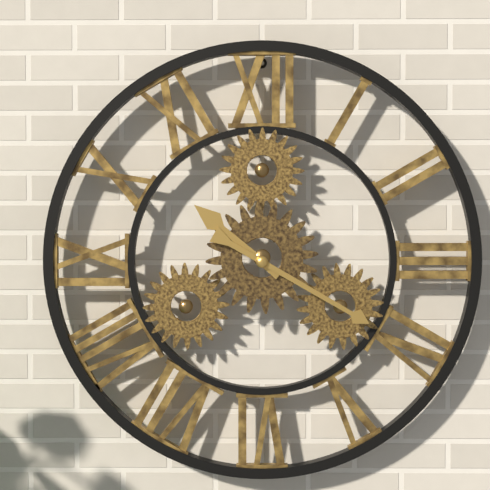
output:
10 h 20 min
